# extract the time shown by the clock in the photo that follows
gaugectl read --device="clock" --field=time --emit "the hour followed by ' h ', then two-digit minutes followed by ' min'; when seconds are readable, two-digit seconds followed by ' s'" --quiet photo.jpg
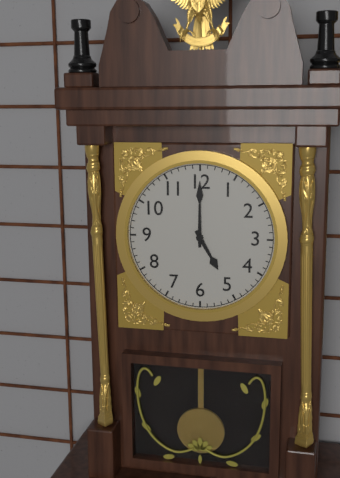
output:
5 h 00 min
